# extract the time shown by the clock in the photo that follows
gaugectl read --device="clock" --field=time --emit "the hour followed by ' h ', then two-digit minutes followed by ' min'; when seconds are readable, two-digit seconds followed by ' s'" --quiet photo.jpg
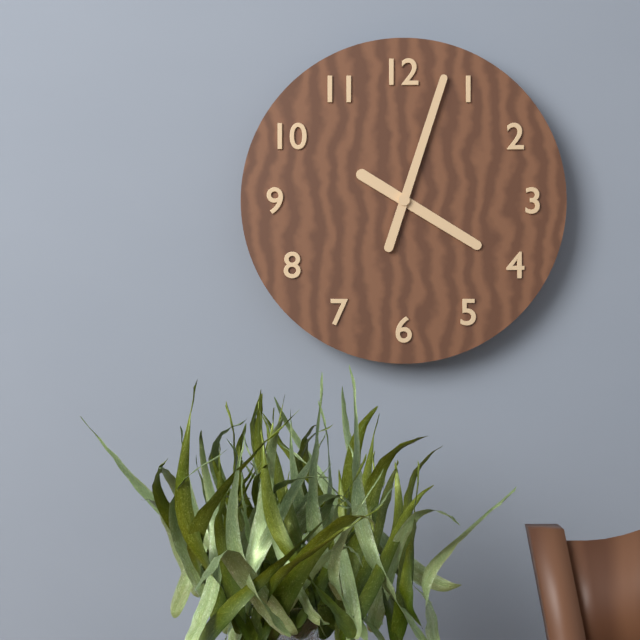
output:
4 h 03 min
